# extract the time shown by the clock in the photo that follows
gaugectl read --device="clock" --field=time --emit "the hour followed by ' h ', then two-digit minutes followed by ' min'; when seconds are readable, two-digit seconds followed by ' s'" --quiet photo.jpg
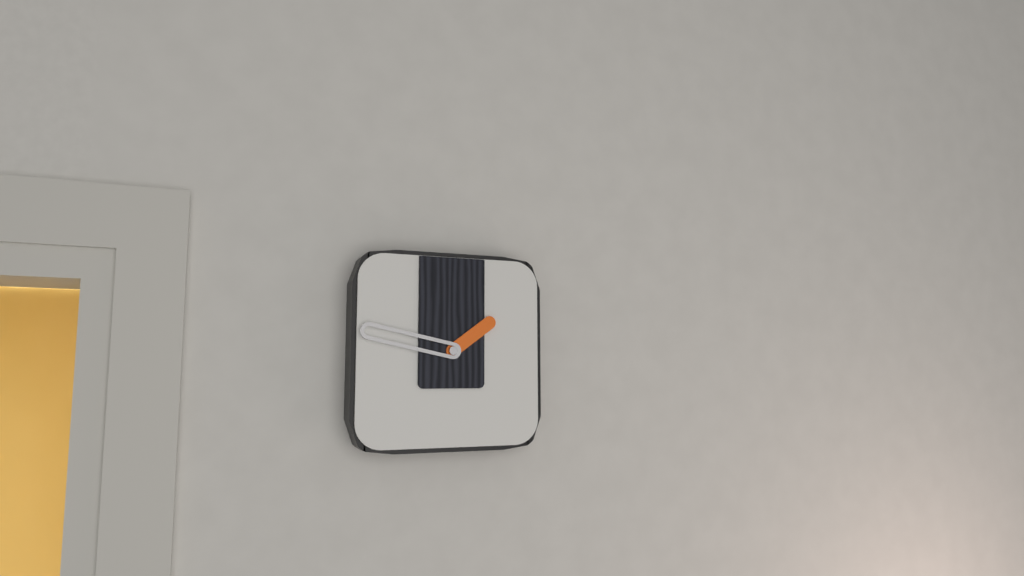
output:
1 h 47 min
